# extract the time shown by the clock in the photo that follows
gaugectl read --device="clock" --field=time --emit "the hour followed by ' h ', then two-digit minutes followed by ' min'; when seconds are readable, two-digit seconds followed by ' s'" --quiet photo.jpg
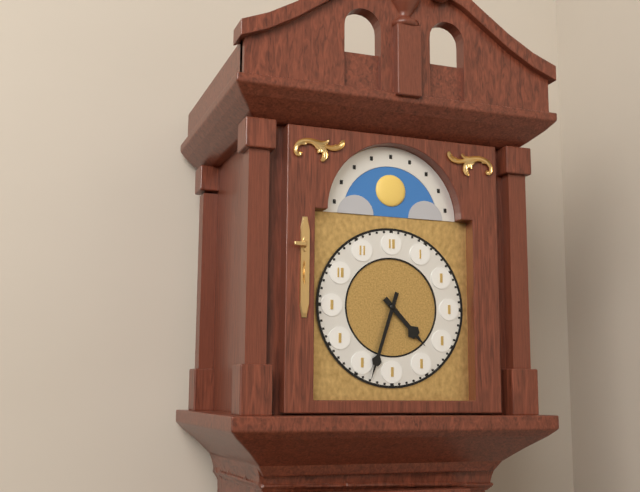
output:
4 h 33 min
